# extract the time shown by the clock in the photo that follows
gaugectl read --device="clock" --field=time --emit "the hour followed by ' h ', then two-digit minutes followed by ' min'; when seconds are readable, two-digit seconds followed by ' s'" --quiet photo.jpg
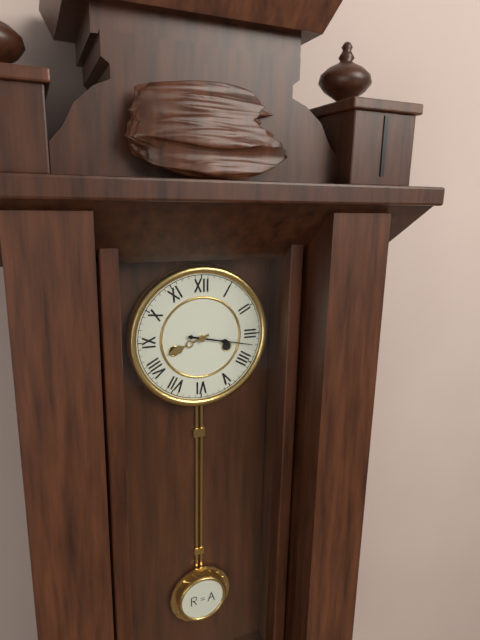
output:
8 h 17 min
